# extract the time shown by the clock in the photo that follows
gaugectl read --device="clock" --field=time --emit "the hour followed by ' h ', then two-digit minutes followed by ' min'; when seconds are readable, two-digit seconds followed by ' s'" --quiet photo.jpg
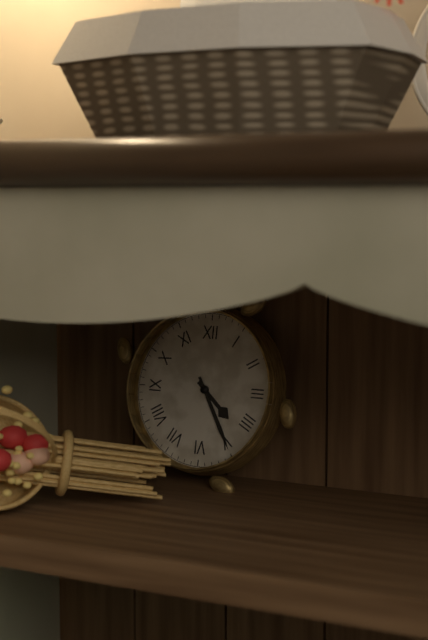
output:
4 h 25 min
